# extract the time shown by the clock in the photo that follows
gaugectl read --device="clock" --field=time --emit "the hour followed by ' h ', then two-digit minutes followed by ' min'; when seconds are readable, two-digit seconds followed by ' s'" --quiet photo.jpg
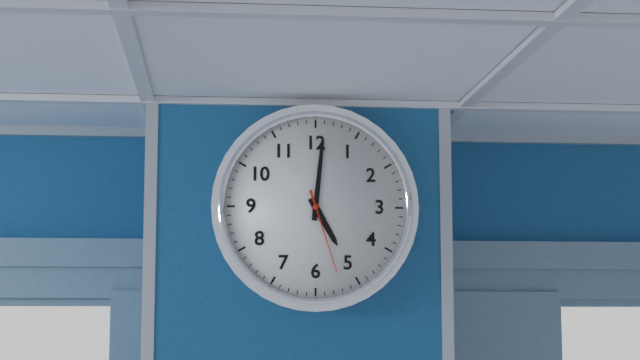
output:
5 h 01 min 27 s
